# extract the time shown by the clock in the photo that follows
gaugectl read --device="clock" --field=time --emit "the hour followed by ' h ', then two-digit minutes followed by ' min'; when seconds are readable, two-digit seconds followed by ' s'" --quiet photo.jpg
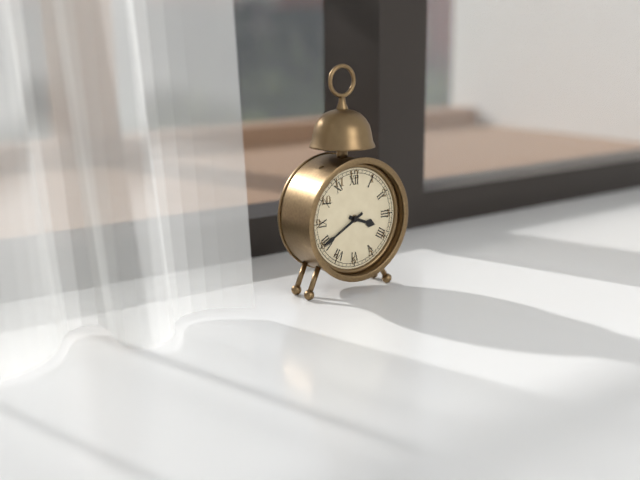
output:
3 h 40 min
